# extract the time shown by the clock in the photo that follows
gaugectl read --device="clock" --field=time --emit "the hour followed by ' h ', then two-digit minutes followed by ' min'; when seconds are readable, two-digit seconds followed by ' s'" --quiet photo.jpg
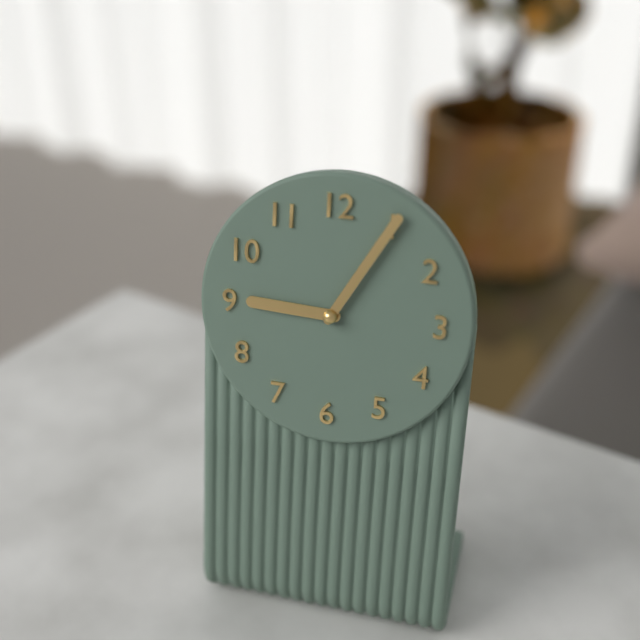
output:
9 h 05 min
